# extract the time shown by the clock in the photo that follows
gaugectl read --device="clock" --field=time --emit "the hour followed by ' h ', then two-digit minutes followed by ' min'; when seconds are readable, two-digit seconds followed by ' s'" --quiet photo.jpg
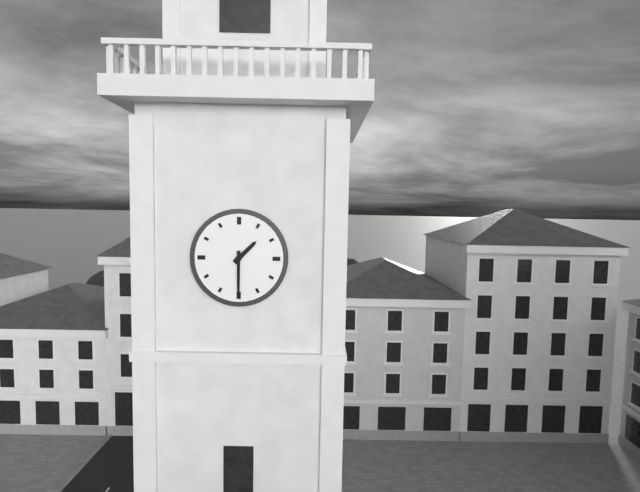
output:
1 h 30 min
